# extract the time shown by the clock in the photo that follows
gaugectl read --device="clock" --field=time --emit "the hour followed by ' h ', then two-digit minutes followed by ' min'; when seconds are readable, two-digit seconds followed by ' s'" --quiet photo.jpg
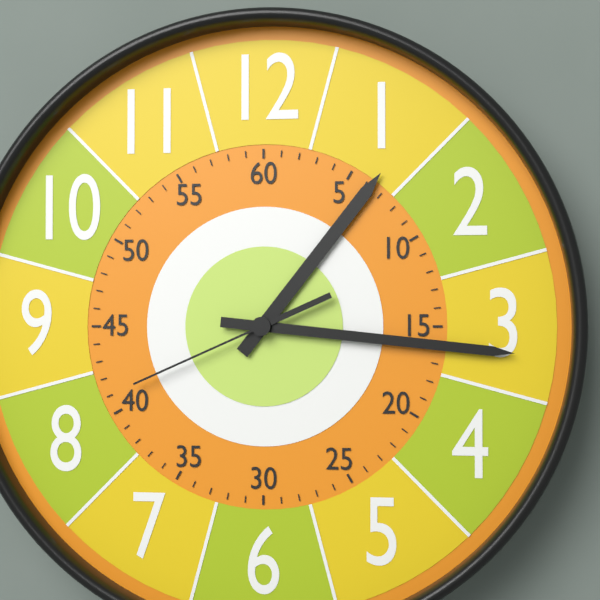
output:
1 h 16 min 41 s
